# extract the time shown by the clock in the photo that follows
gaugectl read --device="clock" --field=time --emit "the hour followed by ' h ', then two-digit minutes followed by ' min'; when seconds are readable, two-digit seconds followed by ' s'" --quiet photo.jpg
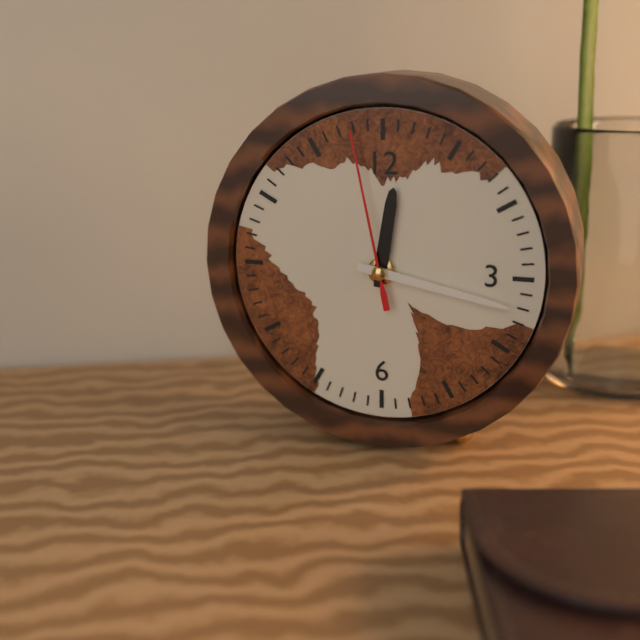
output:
12 h 17 min 58 s
